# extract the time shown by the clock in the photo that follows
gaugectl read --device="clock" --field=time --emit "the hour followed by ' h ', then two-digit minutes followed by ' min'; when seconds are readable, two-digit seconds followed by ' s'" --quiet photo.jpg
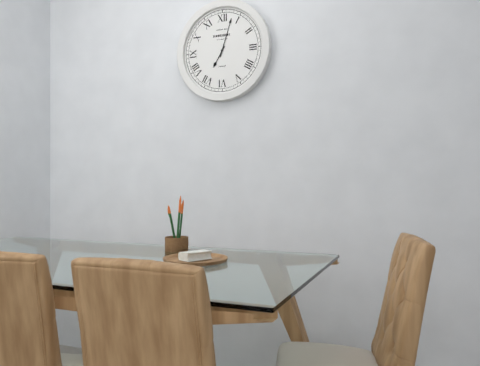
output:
7 h 03 min
